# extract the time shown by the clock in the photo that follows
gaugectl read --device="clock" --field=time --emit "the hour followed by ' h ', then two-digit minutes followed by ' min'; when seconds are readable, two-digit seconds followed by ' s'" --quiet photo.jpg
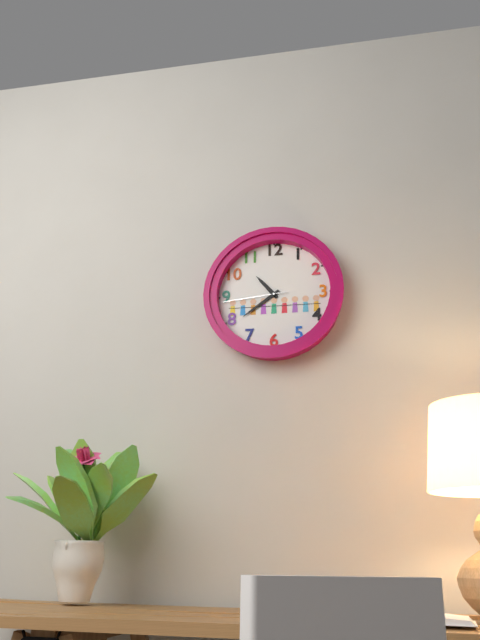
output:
10 h 39 min 44 s
